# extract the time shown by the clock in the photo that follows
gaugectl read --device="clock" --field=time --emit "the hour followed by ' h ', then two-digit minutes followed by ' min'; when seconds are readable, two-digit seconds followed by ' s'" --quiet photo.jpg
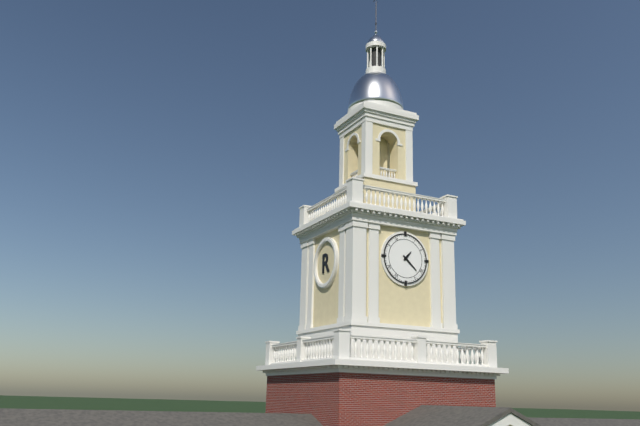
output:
1 h 22 min
